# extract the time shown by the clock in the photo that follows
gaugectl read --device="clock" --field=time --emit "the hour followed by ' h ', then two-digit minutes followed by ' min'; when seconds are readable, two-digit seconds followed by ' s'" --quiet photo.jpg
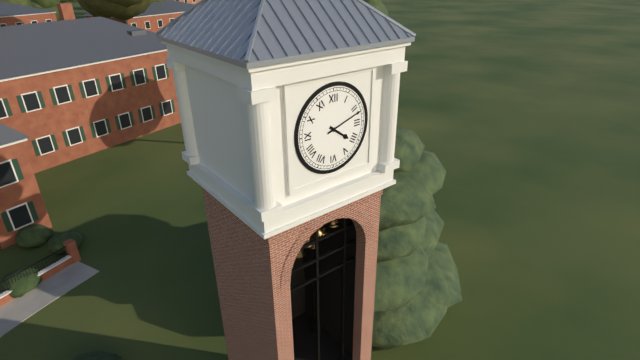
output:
4 h 12 min
